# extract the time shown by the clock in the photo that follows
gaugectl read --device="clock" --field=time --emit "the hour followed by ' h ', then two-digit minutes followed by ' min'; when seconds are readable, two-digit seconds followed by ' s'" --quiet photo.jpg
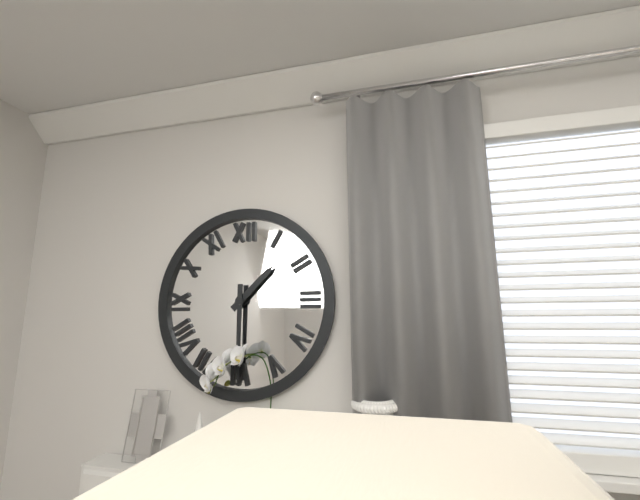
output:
1 h 30 min
